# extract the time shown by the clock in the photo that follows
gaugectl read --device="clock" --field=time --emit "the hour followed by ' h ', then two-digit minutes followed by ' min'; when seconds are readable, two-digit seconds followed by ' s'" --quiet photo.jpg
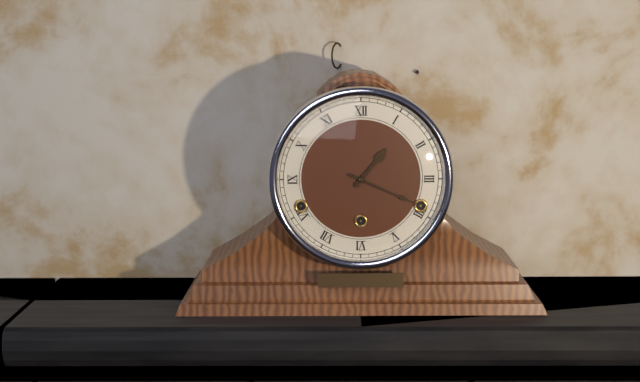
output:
1 h 19 min
